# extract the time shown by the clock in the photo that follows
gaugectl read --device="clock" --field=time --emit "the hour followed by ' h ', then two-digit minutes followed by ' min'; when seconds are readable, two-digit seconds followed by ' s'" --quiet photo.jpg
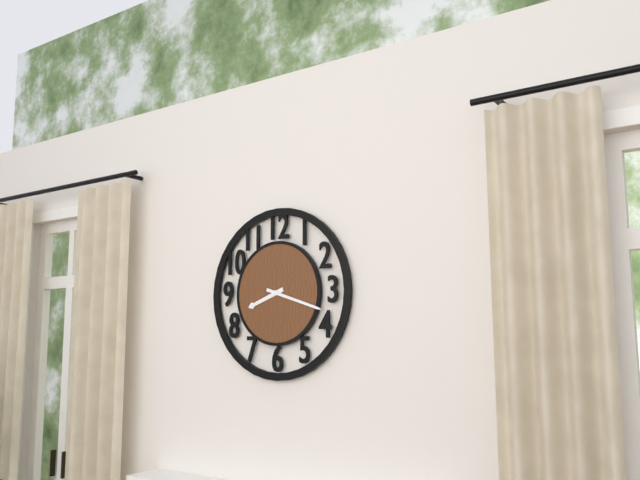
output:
8 h 18 min
